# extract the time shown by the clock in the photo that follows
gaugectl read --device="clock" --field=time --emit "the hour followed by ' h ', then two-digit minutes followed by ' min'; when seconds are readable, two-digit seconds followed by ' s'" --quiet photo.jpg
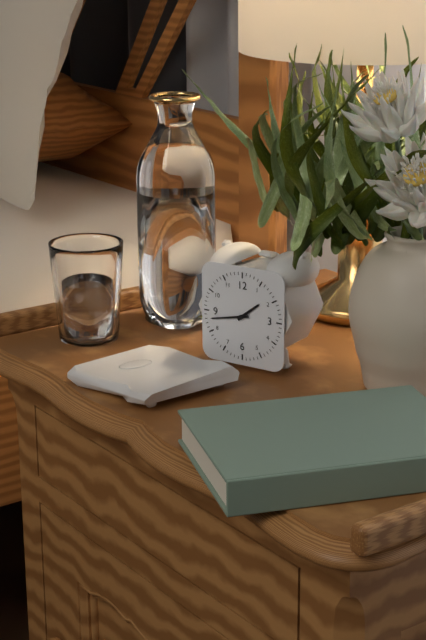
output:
1 h 43 min
